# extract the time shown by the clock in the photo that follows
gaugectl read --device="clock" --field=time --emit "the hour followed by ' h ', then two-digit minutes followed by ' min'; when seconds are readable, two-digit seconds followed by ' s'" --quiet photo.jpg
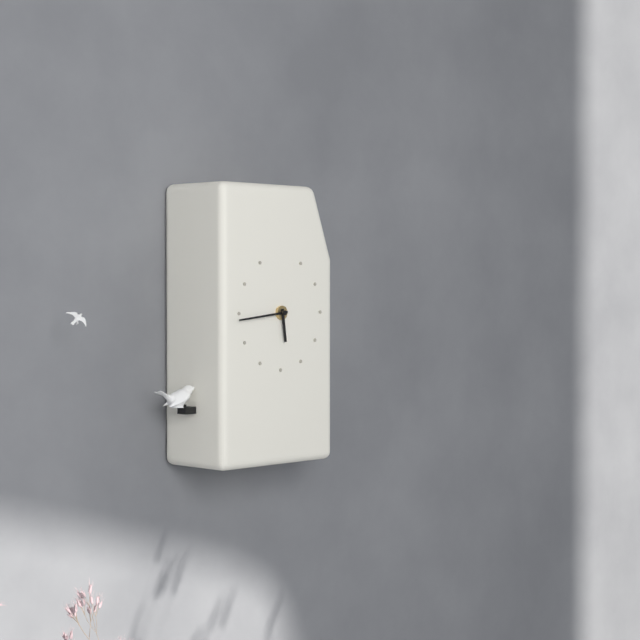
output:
5 h 44 min
